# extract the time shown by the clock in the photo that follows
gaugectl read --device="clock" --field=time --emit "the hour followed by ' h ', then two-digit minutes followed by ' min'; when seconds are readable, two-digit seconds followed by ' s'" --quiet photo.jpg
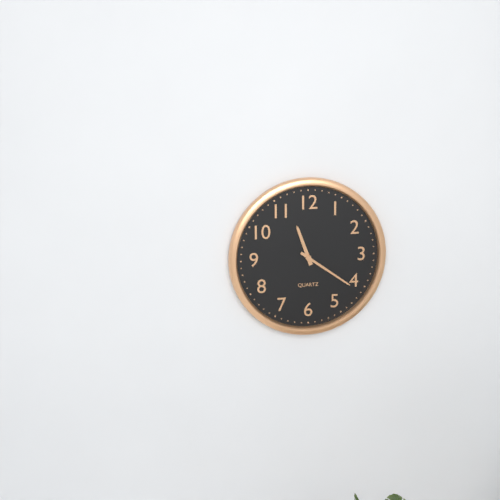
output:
11 h 21 min
